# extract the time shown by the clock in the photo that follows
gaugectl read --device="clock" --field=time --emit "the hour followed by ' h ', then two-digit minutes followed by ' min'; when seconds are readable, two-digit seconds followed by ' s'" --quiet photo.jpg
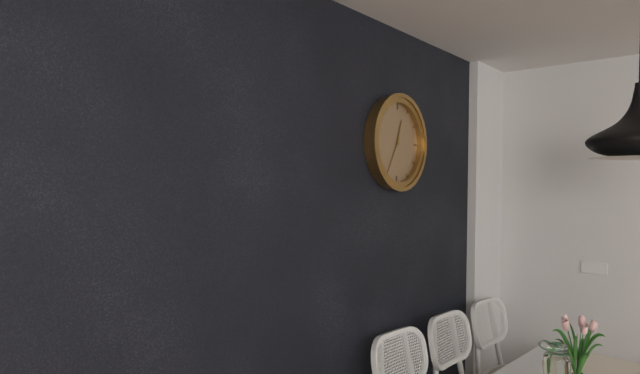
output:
12 h 35 min
